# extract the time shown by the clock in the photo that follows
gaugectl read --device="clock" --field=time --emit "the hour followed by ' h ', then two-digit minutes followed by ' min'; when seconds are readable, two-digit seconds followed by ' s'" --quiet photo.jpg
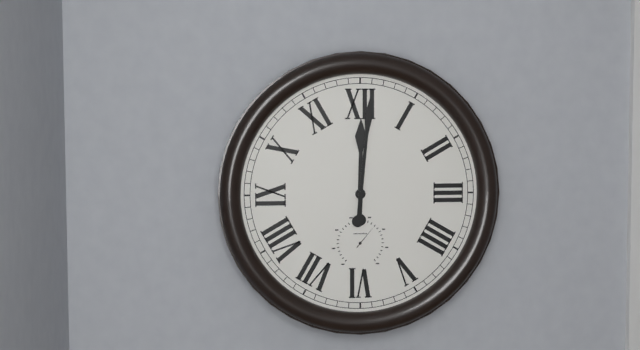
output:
12 h 01 min
